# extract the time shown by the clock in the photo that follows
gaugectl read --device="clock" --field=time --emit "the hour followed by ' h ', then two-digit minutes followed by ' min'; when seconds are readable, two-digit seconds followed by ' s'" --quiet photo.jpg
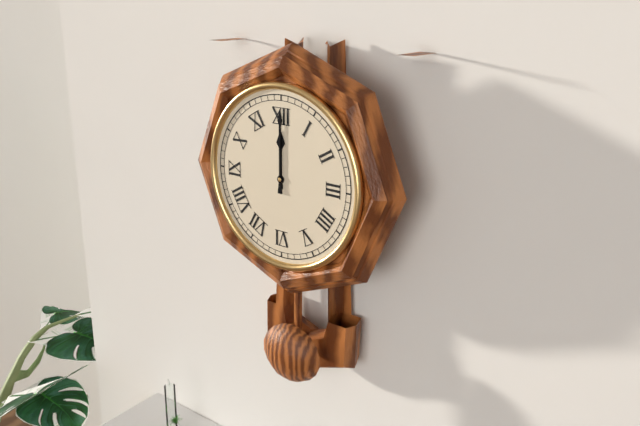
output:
12 h 00 min
